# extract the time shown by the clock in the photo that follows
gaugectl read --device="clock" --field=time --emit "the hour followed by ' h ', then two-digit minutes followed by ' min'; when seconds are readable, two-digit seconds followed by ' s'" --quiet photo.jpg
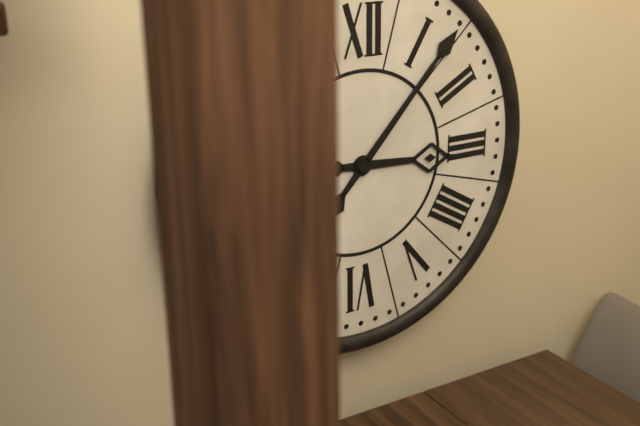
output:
3 h 07 min
